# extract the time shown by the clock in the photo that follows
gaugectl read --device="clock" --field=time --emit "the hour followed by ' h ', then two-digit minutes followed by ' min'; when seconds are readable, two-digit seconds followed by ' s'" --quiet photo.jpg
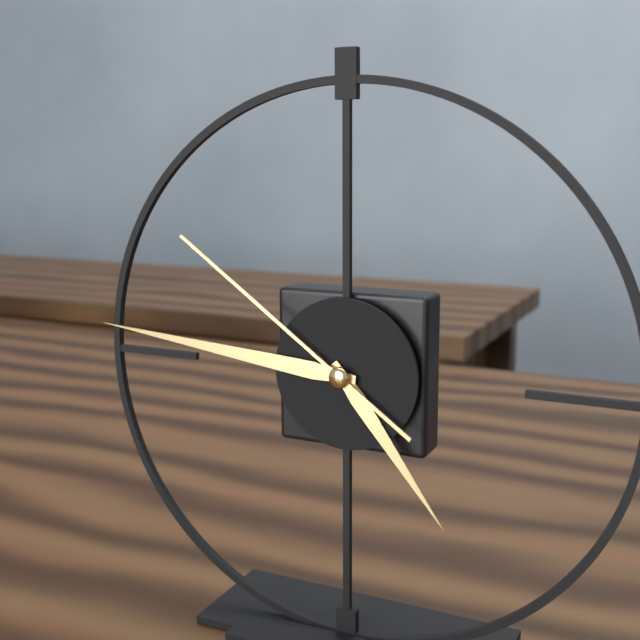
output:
4 h 46 min 51 s
